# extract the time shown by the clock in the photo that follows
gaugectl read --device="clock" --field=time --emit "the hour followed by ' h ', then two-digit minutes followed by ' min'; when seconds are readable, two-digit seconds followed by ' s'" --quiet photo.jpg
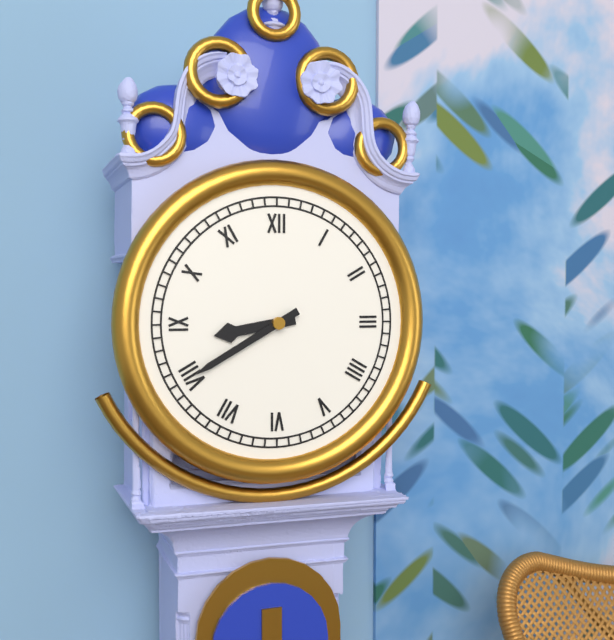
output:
8 h 40 min
